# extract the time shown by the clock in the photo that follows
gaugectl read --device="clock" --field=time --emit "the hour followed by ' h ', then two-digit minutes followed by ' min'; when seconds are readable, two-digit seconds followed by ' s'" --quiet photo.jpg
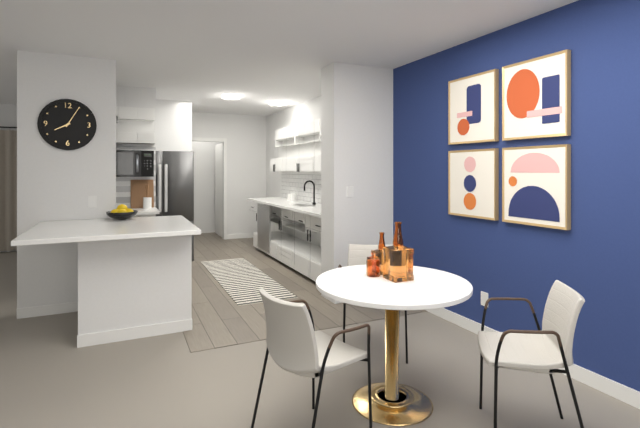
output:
8 h 05 min
